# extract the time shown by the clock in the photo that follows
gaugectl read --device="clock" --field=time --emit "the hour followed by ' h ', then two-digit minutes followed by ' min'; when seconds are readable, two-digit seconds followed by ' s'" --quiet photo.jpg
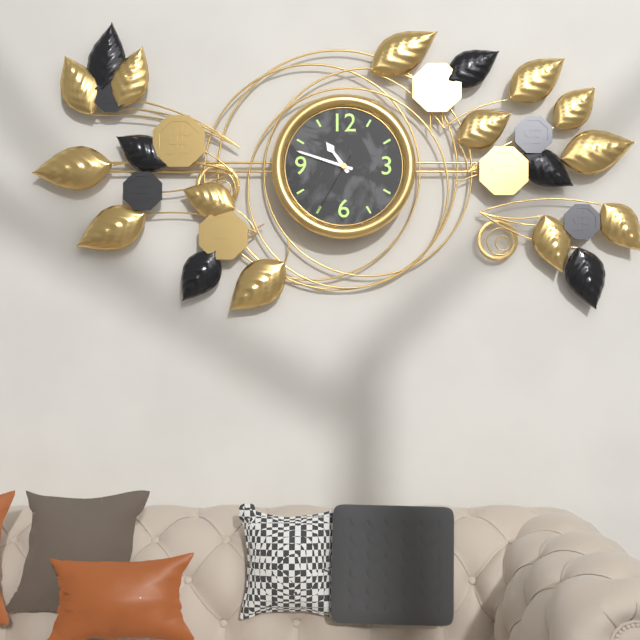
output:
10 h 48 min 35 s
